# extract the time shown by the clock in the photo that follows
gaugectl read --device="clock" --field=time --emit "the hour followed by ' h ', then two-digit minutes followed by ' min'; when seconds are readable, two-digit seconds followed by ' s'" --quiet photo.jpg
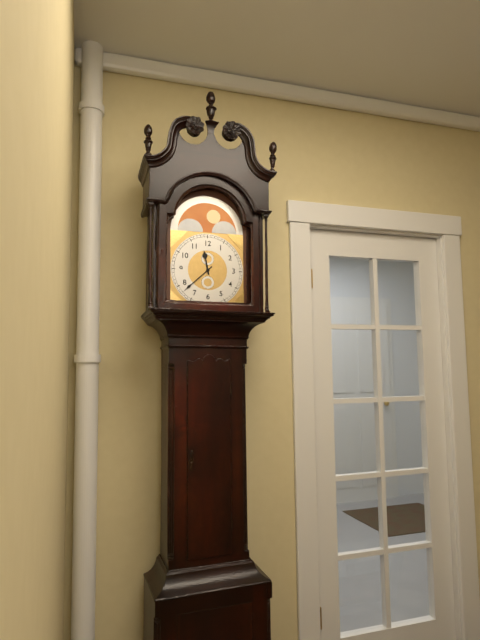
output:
11 h 38 min
